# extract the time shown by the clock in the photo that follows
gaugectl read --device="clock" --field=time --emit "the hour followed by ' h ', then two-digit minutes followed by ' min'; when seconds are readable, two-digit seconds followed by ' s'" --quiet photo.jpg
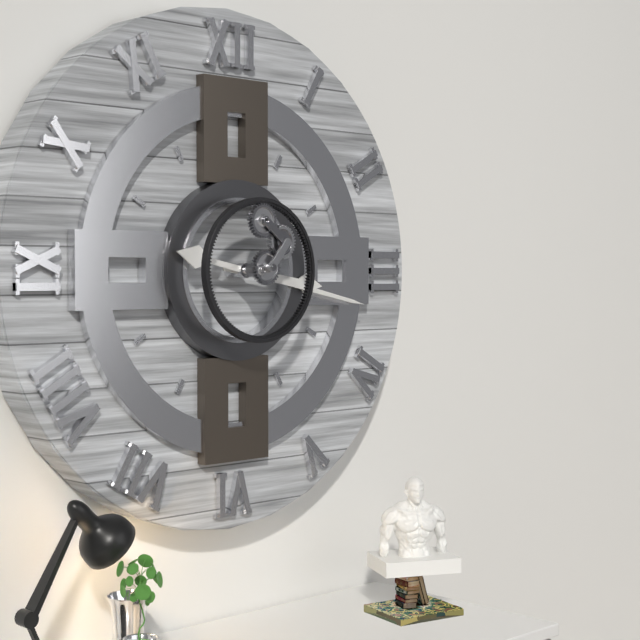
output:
3 h 17 min
